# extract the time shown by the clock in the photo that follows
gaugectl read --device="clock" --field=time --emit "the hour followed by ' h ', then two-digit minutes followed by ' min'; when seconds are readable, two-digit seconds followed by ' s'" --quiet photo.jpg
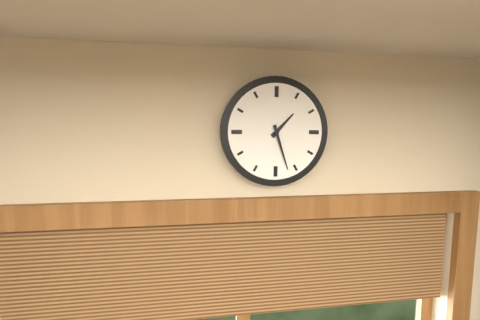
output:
1 h 27 min
